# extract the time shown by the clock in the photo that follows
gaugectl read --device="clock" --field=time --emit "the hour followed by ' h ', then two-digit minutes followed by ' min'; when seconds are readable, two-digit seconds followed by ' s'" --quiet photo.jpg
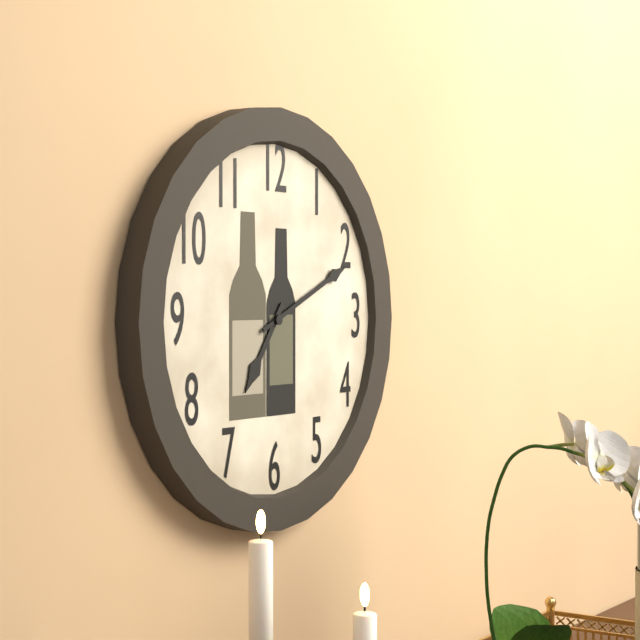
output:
7 h 11 min
